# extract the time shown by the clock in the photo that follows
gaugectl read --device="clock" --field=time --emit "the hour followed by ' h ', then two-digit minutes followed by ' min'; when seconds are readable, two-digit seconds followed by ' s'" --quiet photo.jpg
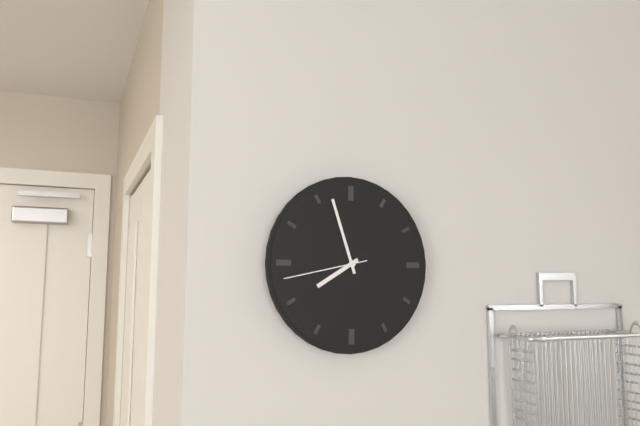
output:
7 h 57 min 43 s
